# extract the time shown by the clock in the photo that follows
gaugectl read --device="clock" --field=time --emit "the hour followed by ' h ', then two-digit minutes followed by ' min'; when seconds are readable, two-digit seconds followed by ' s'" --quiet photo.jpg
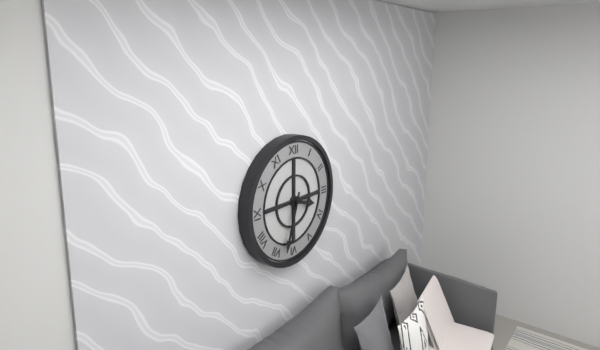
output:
3 h 33 min
